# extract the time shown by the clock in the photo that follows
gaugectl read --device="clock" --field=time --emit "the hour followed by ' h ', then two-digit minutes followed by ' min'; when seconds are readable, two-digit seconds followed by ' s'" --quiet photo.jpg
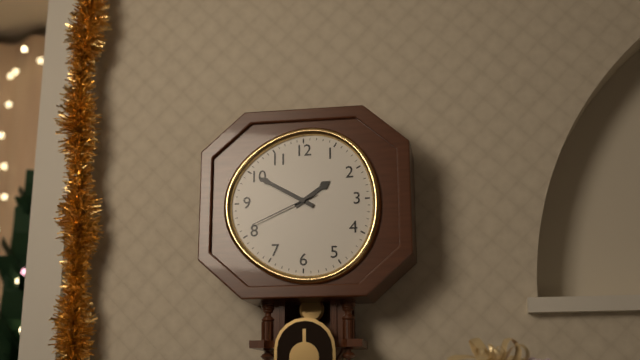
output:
1 h 50 min 41 s
